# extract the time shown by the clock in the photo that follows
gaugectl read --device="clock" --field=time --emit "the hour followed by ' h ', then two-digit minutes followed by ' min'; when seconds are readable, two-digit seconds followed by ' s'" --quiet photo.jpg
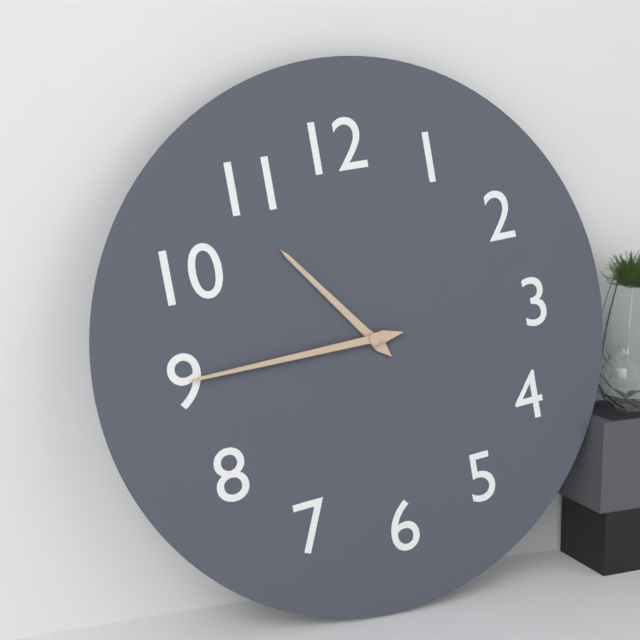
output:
10 h 45 min
